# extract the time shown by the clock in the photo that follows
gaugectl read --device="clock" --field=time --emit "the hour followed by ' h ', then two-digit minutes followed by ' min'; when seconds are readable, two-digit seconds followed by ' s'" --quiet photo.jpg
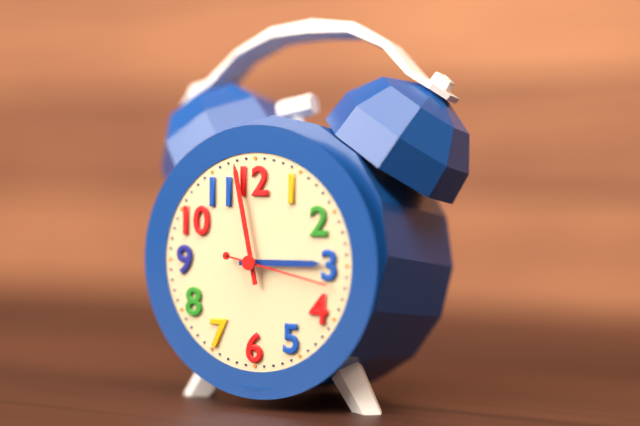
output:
2 h 58 min 17 s
